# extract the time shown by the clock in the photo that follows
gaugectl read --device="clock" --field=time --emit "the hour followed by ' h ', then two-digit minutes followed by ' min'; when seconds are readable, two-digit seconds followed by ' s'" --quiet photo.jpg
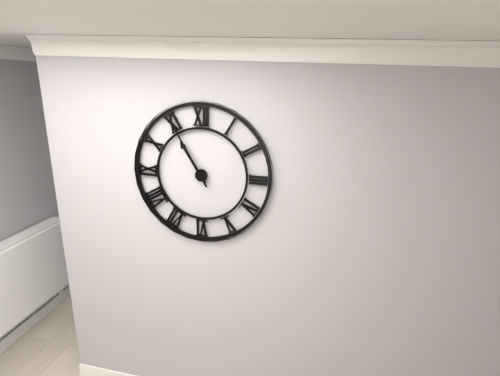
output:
10 h 55 min
